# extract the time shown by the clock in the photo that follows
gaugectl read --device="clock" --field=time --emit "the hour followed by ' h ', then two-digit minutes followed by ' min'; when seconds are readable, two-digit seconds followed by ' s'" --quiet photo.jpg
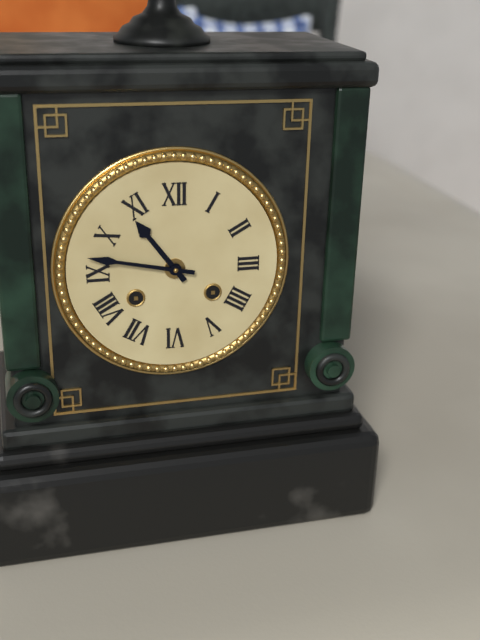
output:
10 h 47 min
